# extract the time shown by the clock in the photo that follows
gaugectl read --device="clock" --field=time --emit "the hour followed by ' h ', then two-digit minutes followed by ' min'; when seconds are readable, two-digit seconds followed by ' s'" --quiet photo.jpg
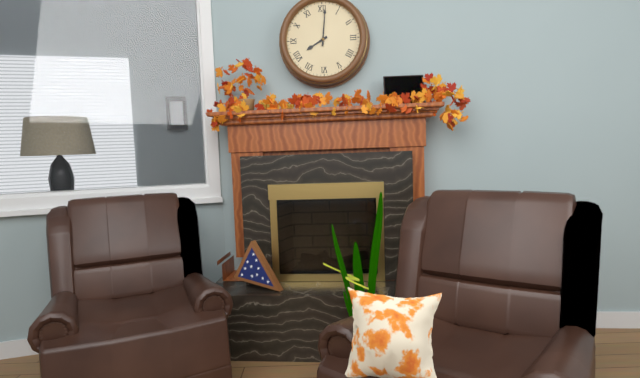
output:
8 h 01 min
